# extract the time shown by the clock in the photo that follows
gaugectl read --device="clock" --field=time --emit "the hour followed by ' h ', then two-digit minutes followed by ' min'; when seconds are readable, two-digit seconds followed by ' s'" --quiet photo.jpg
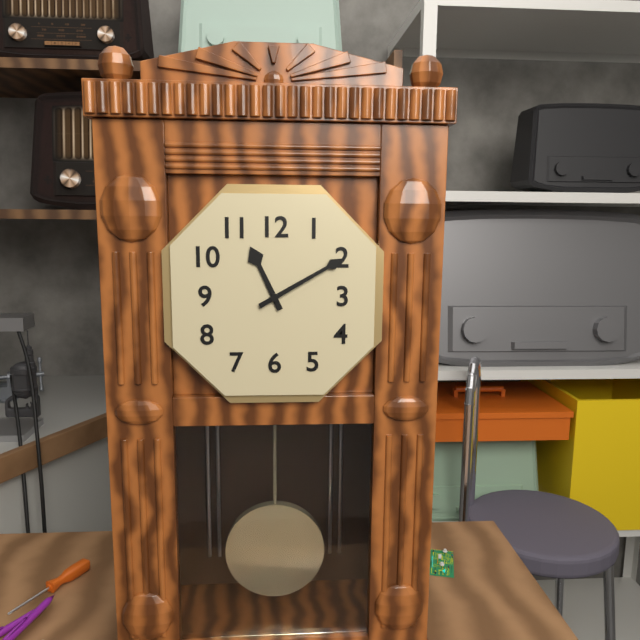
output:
11 h 10 min
